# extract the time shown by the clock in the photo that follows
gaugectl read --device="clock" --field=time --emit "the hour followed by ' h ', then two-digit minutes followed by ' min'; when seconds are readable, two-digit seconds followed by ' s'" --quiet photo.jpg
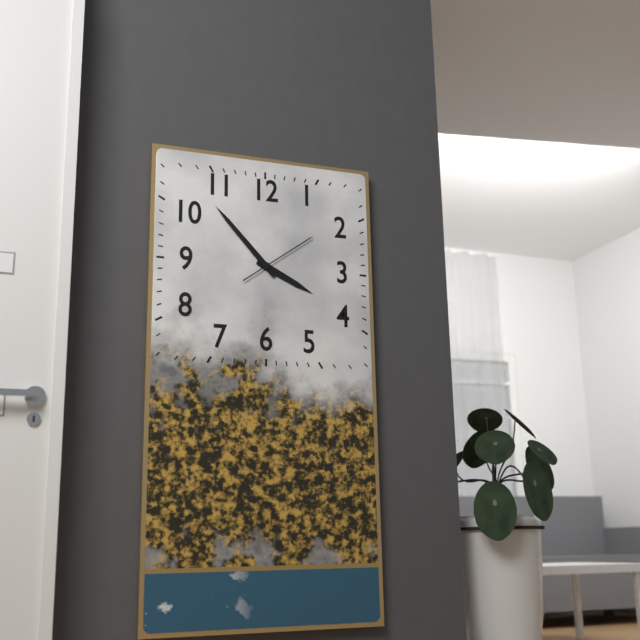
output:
3 h 53 min 09 s
